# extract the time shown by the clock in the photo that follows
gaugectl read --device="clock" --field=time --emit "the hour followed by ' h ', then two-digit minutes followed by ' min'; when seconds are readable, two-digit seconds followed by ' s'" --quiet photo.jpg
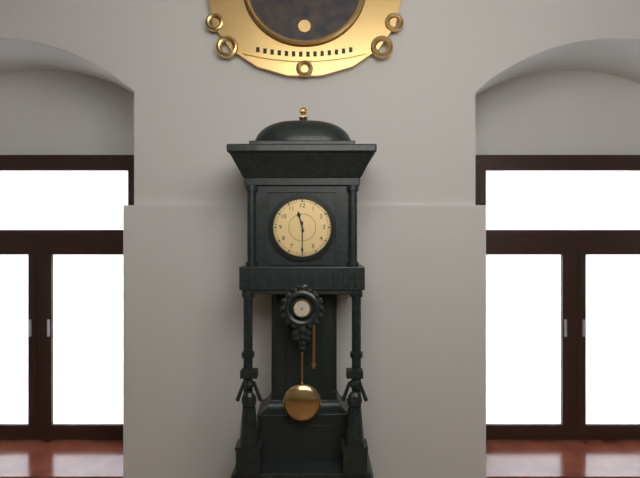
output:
11 h 30 min
